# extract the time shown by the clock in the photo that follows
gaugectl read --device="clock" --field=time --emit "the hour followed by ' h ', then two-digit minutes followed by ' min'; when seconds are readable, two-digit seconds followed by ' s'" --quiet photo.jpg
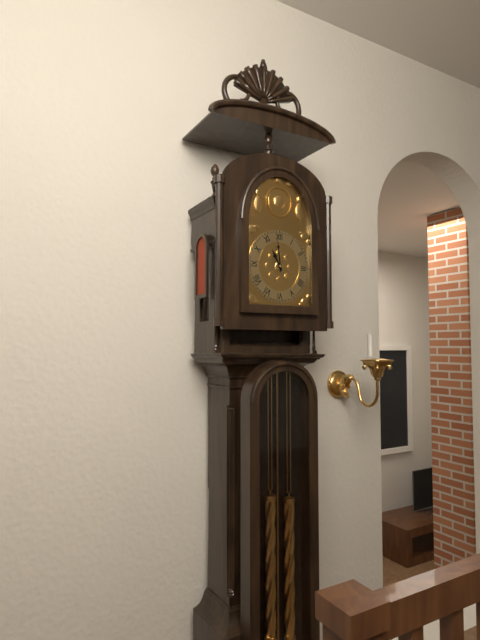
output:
10 h 59 min
